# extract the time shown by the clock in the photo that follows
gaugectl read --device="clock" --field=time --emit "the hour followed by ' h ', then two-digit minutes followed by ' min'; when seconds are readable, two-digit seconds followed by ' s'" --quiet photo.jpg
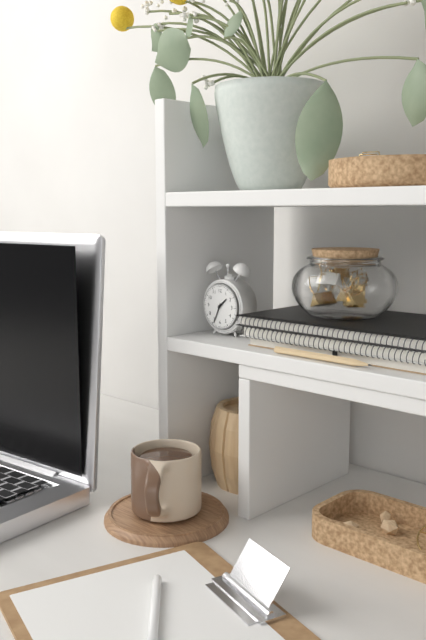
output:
1 h 34 min
